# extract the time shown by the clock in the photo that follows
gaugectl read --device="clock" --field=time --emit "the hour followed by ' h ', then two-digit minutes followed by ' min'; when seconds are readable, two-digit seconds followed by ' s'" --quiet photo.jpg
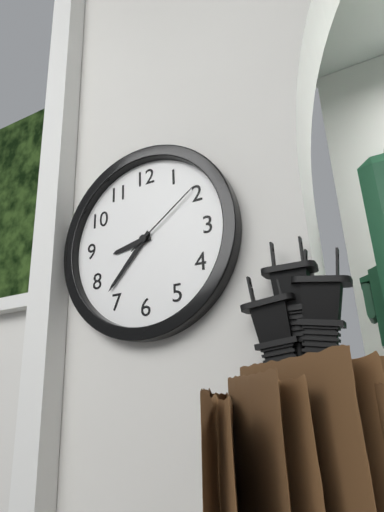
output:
8 h 37 min 09 s
